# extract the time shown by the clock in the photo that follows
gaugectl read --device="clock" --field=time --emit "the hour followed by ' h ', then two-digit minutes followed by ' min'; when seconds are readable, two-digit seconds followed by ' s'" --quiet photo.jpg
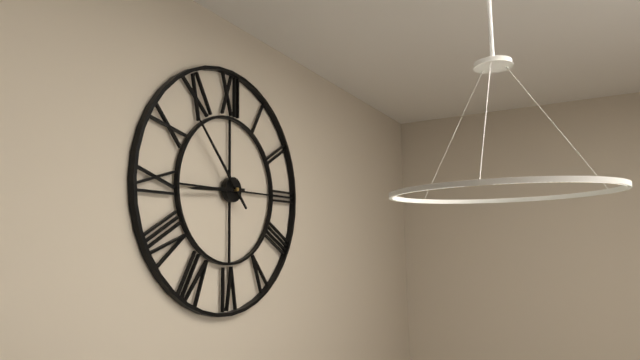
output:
8 h 53 min
